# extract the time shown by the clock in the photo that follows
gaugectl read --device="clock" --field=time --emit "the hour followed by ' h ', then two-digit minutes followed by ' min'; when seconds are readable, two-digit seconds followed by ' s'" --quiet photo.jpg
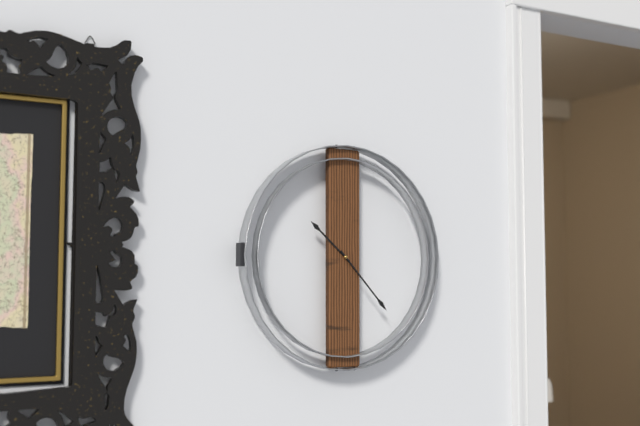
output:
10 h 23 min
